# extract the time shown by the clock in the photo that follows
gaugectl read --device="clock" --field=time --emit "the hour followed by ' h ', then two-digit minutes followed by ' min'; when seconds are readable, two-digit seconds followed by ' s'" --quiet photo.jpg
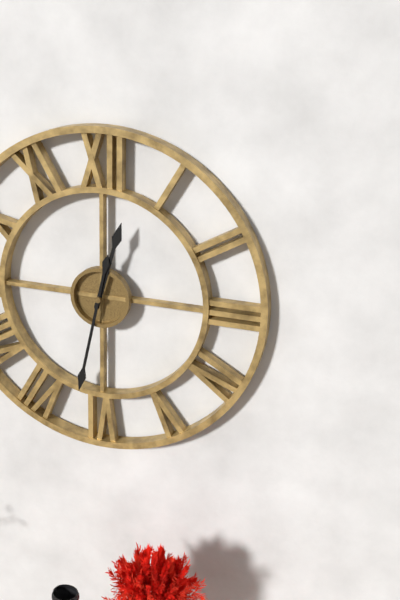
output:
12 h 32 min
